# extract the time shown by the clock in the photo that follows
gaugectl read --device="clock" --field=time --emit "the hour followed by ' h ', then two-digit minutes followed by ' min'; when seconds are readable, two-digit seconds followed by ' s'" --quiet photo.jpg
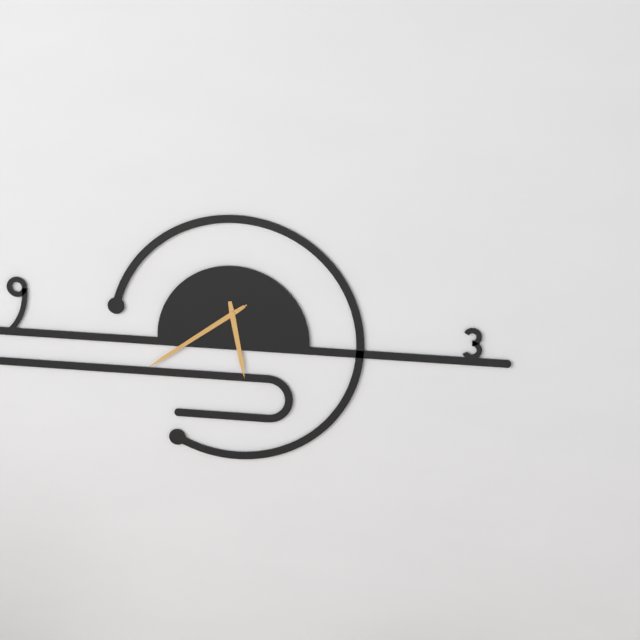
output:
5 h 39 min 39 s
